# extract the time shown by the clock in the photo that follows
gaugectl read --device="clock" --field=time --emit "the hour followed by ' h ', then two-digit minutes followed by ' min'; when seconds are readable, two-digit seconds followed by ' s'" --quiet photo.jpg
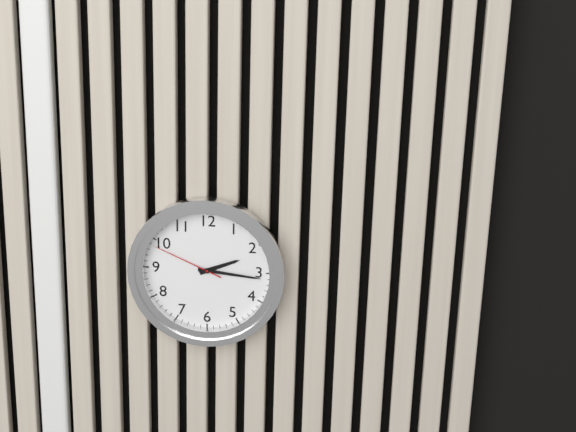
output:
2 h 16 min 49 s
